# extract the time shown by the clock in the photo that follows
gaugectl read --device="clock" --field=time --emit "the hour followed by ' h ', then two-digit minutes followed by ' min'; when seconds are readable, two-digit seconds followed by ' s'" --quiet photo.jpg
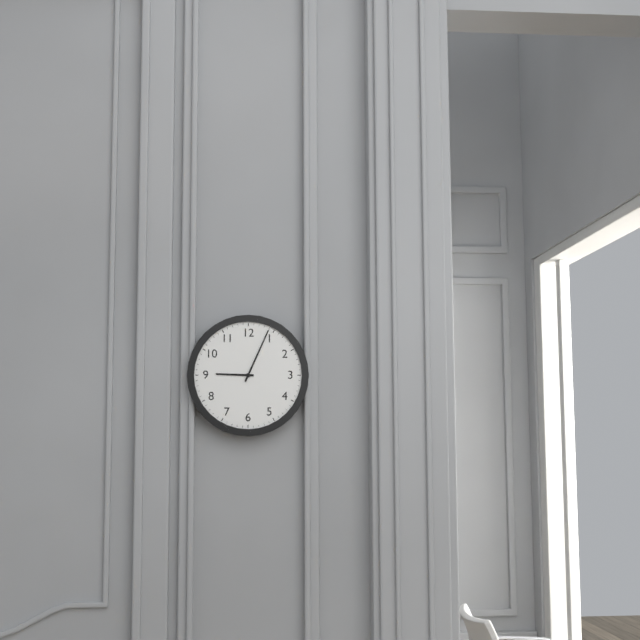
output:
9 h 04 min
